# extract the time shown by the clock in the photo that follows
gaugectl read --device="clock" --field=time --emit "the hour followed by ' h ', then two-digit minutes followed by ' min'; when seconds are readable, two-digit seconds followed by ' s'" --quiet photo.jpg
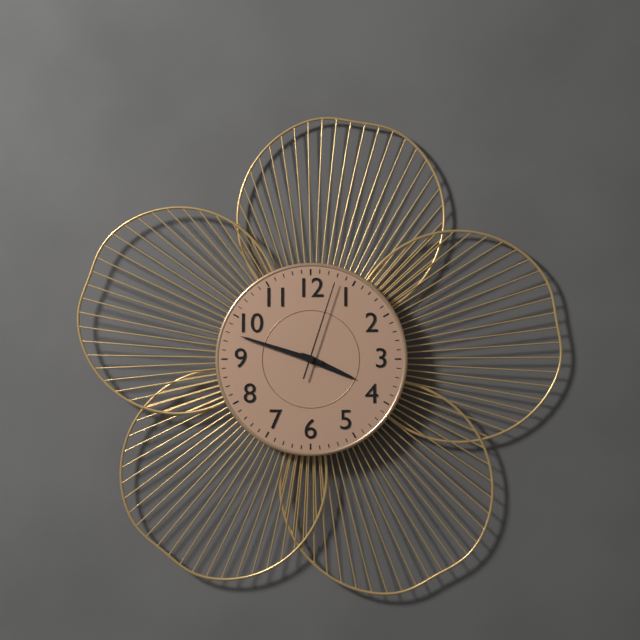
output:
3 h 48 min 03 s
